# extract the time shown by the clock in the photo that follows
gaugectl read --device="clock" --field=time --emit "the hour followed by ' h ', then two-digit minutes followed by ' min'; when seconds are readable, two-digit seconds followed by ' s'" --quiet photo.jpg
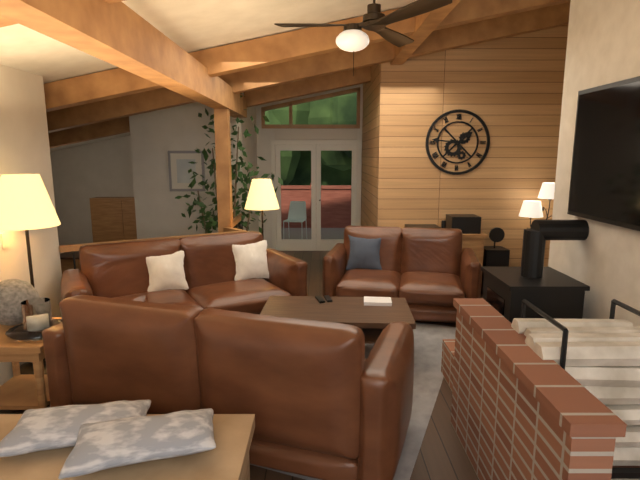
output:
1 h 46 min
